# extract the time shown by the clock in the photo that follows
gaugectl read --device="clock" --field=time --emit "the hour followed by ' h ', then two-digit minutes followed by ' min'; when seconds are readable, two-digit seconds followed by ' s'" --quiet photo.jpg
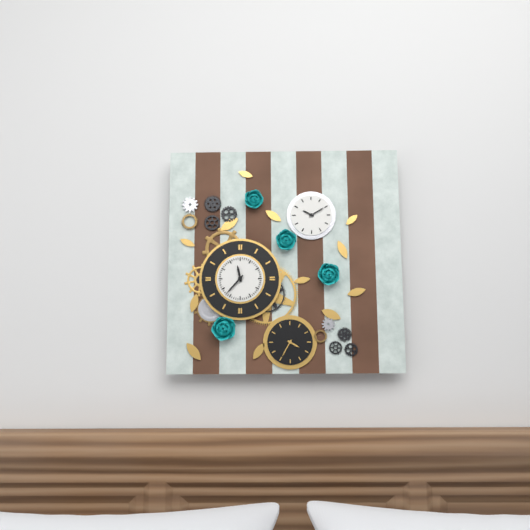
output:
11 h 37 min
